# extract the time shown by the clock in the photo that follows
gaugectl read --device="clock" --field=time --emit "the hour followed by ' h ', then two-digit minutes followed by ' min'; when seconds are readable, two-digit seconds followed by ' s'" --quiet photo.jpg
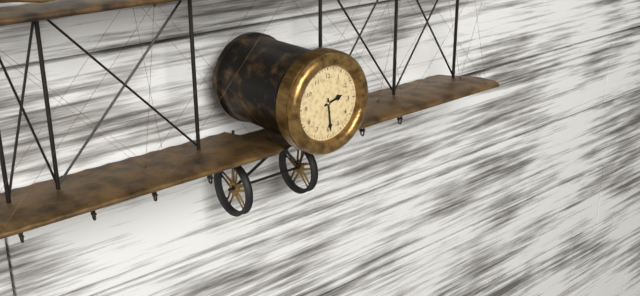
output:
2 h 29 min
